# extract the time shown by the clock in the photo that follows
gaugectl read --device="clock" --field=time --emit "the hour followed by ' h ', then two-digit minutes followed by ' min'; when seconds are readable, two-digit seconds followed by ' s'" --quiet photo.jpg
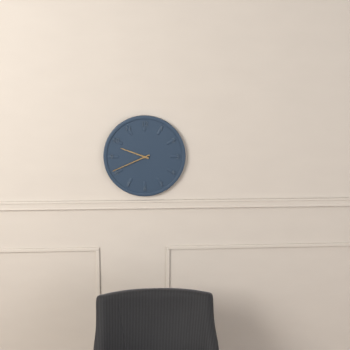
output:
9 h 41 min
